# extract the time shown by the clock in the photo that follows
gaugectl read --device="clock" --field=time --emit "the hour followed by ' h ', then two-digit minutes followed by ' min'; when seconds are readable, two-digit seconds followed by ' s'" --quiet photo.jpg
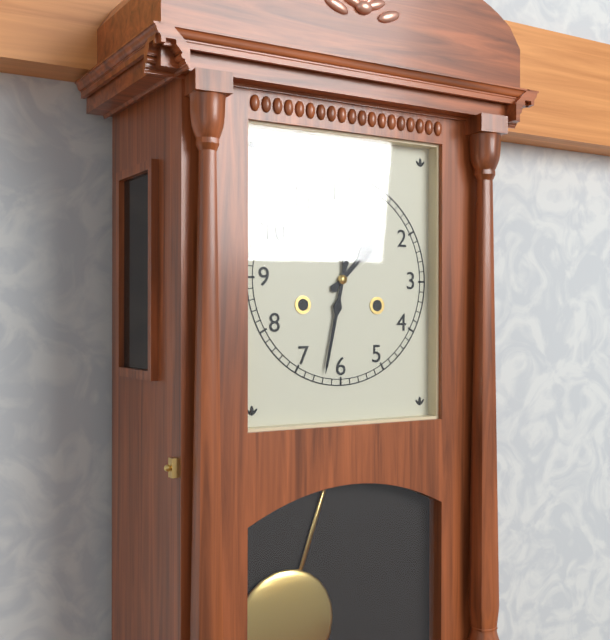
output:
1 h 32 min
